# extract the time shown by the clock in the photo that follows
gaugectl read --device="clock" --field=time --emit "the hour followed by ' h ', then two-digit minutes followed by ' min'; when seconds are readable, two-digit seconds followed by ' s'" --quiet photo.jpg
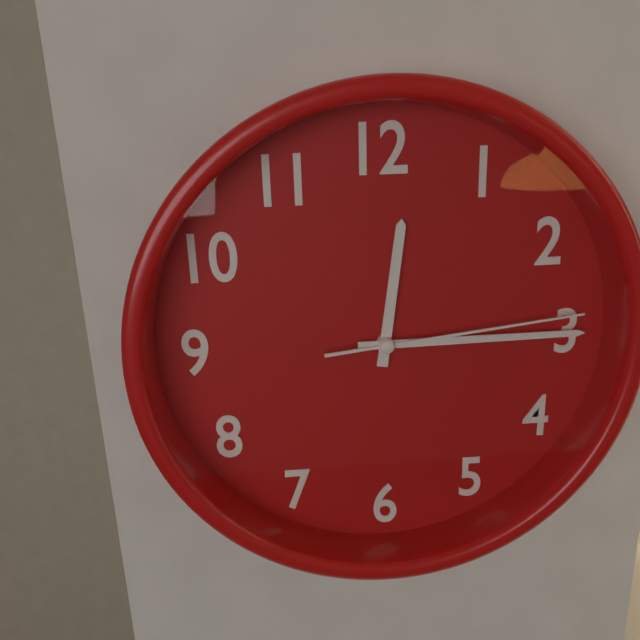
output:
12 h 15 min 14 s
